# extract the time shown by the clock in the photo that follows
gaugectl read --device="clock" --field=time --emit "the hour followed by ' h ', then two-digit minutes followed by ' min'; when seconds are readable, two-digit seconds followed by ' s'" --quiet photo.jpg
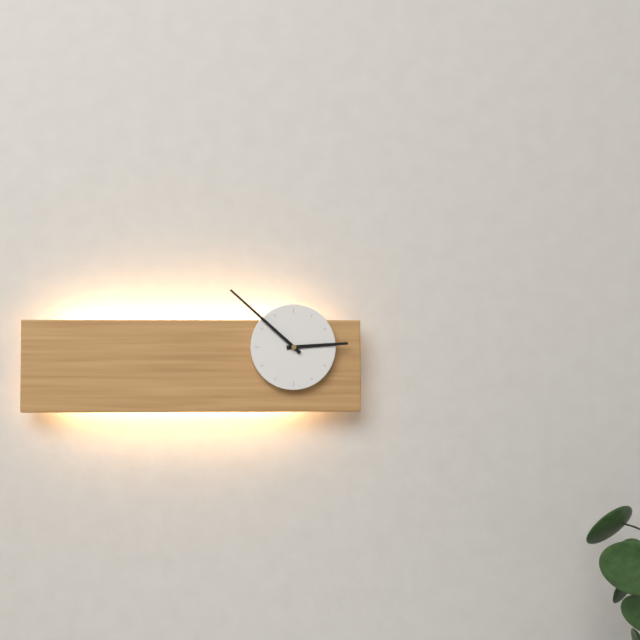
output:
2 h 52 min
